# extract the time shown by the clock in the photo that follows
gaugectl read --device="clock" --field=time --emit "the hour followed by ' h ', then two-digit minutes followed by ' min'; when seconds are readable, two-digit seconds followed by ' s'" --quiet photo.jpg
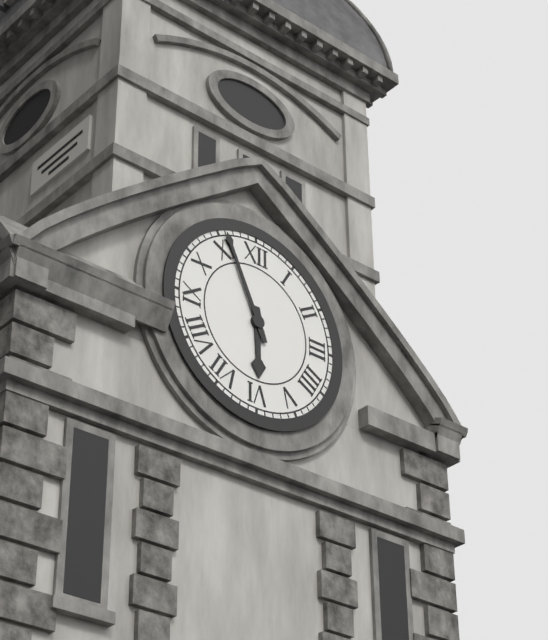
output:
5 h 56 min
